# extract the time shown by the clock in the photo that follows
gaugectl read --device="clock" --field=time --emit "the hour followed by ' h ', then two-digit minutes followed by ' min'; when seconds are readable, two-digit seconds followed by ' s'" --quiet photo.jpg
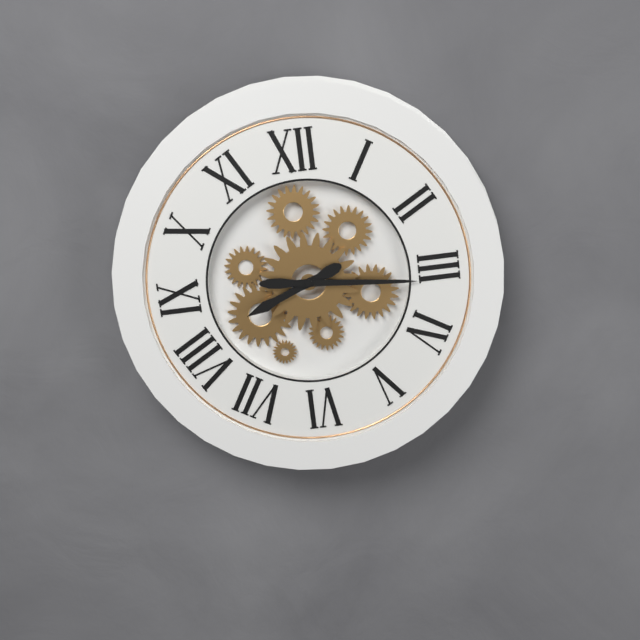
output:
8 h 16 min
